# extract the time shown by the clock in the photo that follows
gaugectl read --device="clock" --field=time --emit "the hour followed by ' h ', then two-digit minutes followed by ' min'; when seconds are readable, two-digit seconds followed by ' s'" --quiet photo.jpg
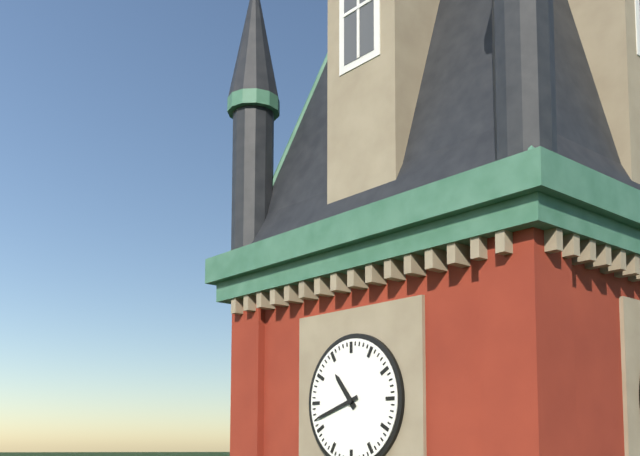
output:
10 h 42 min
